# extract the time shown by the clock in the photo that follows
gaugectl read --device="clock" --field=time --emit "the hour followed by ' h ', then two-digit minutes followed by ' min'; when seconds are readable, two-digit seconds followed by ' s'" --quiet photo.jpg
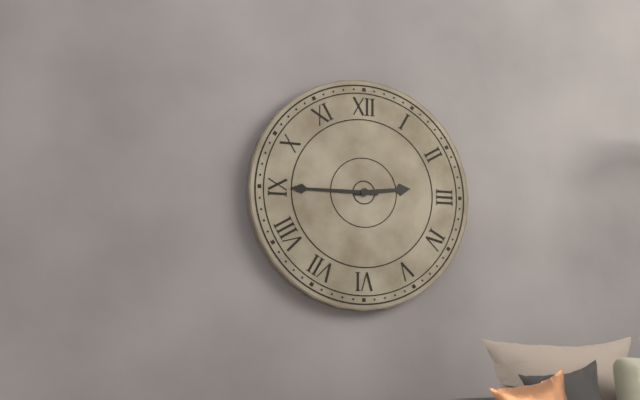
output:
2 h 45 min
